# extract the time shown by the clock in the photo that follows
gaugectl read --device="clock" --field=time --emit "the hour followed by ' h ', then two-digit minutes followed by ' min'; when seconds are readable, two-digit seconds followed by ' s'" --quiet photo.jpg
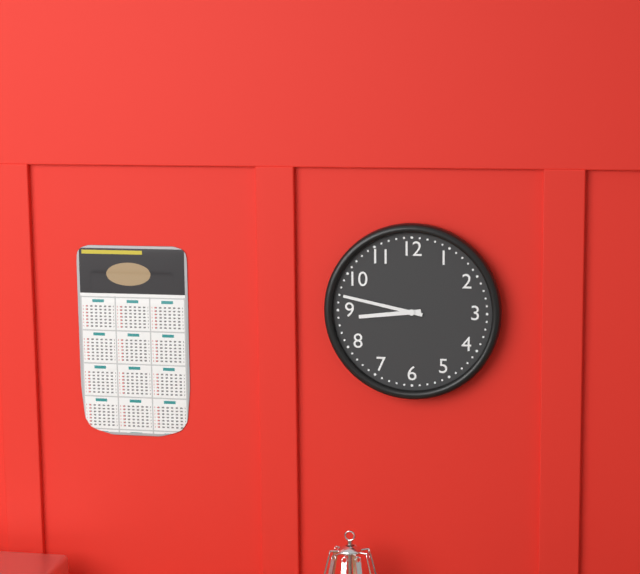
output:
8 h 47 min
